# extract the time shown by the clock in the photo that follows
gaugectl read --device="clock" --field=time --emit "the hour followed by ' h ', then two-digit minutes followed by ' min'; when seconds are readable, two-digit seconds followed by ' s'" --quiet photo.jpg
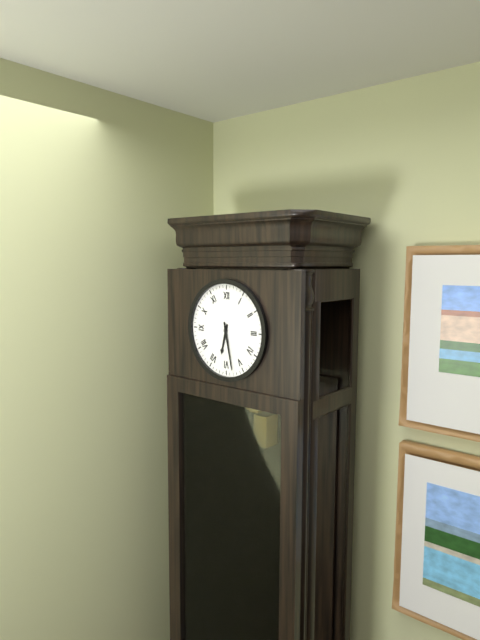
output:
6 h 28 min
